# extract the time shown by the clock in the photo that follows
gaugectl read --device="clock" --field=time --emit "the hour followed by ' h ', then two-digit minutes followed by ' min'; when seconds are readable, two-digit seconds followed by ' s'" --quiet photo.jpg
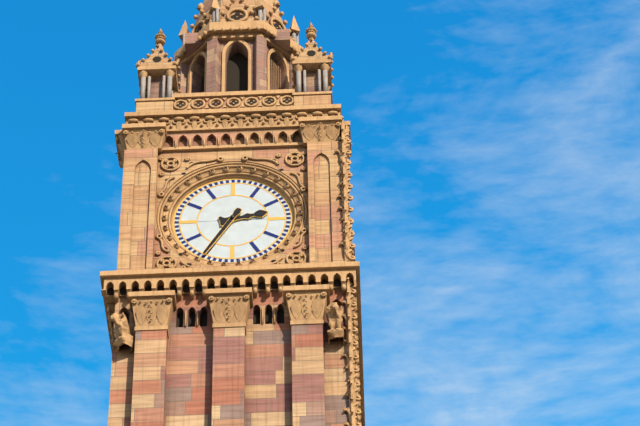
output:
2 h 35 min
